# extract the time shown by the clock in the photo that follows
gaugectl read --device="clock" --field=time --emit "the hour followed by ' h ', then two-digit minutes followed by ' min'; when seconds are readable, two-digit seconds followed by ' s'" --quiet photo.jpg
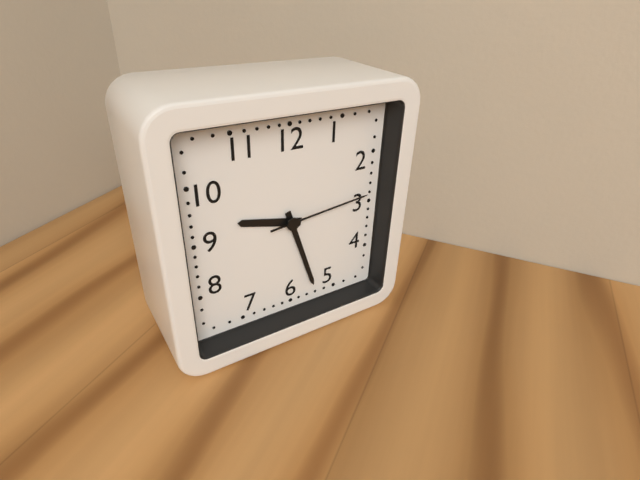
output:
9 h 27 min 14 s
